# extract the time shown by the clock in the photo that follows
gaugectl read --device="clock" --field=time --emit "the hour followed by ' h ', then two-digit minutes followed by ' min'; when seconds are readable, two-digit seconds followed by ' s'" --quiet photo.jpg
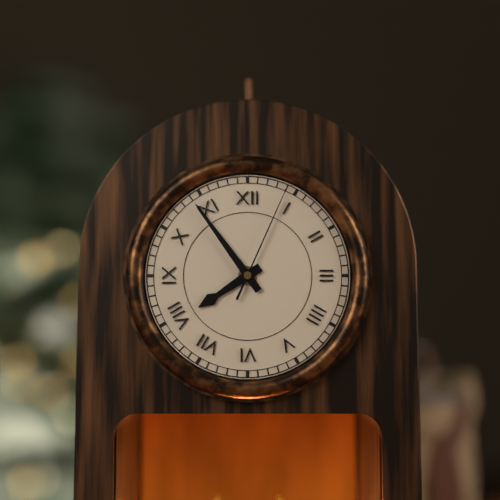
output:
7 h 54 min 04 s
